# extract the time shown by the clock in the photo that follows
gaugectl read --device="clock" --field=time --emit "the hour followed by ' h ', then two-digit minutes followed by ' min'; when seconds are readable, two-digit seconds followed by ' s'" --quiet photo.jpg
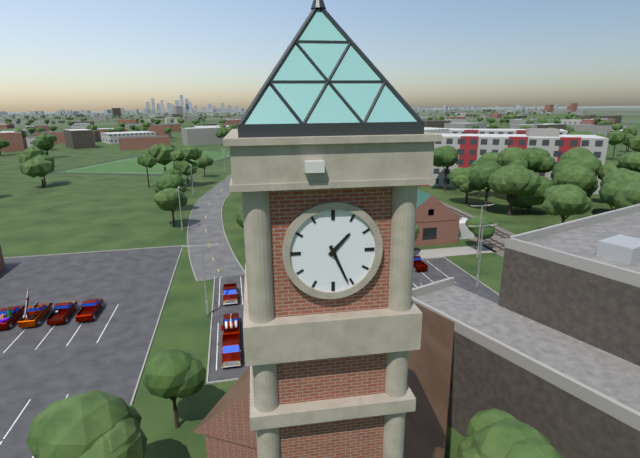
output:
1 h 26 min
